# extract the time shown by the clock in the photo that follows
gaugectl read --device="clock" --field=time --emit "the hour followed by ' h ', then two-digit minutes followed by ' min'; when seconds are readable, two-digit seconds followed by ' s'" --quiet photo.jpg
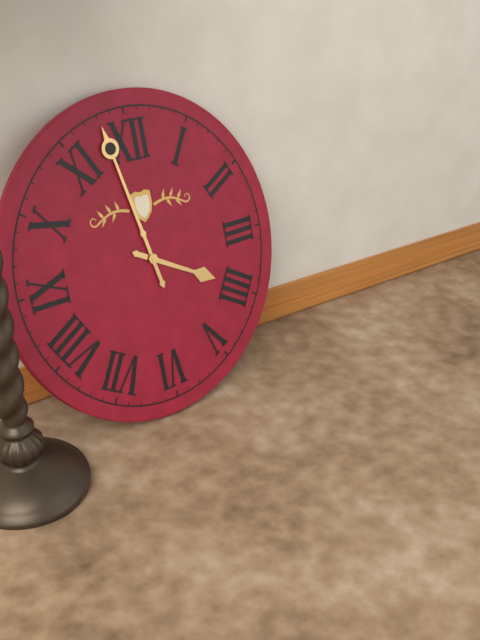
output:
3 h 58 min
